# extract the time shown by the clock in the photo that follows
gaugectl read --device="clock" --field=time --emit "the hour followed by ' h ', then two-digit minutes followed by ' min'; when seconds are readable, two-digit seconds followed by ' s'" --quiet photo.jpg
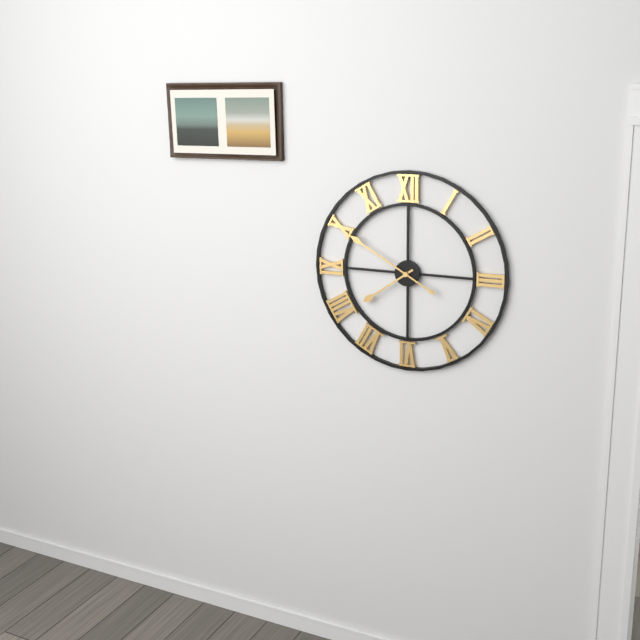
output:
7 h 50 min
